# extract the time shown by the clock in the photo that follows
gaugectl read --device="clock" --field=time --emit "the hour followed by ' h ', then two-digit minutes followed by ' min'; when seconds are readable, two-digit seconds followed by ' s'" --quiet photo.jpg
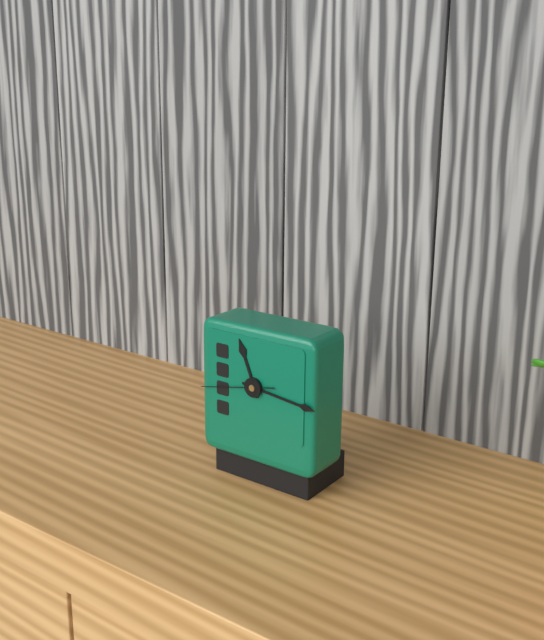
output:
11 h 16 min 43 s
